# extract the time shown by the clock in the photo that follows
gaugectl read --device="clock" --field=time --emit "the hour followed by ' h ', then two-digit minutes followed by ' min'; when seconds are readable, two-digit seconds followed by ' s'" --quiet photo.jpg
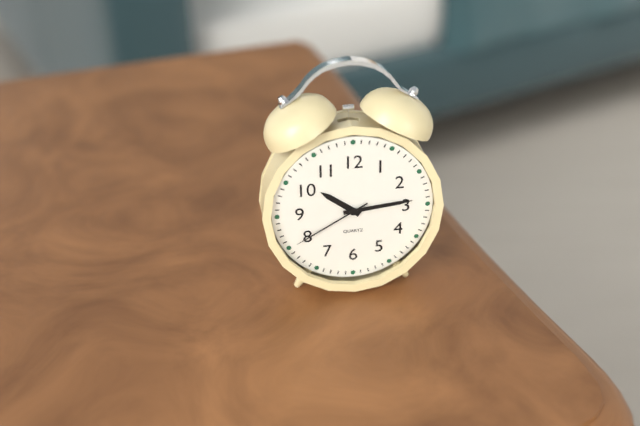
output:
10 h 14 min 40 s
